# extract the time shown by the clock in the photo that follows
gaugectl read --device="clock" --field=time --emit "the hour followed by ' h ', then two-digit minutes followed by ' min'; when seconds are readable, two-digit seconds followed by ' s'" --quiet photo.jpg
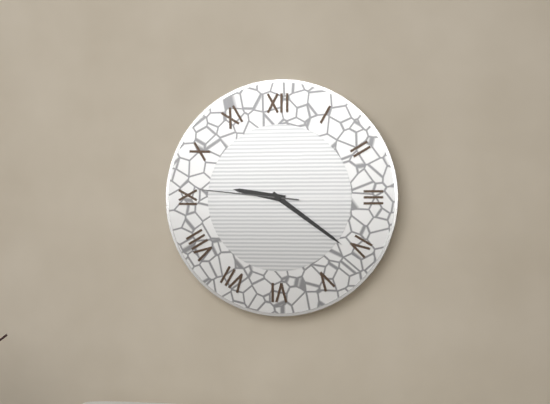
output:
9 h 21 min 46 s
